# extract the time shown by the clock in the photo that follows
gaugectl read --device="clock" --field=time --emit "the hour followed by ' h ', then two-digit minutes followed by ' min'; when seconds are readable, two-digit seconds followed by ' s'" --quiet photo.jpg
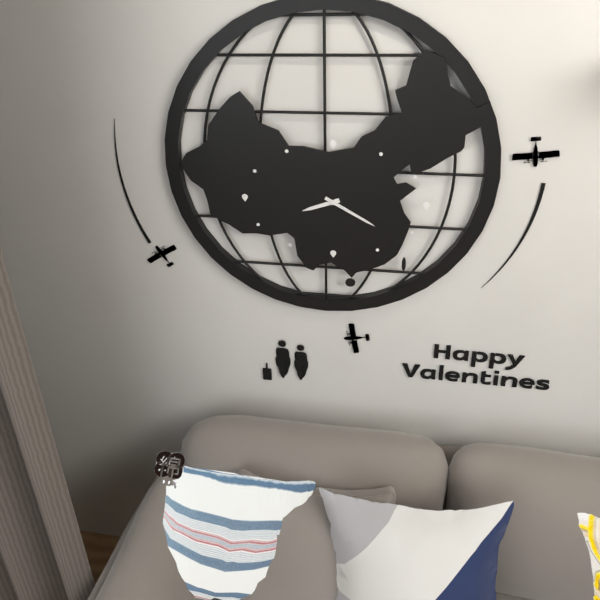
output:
8 h 20 min
